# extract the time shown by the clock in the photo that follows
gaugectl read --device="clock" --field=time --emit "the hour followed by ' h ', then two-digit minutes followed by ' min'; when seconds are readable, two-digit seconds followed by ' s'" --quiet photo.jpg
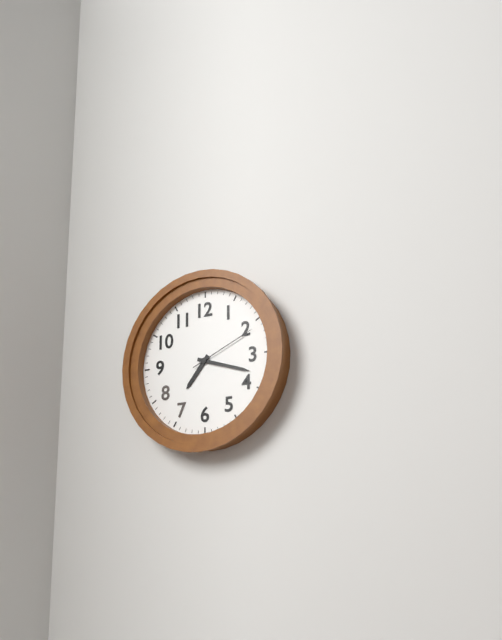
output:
7 h 18 min 11 s
